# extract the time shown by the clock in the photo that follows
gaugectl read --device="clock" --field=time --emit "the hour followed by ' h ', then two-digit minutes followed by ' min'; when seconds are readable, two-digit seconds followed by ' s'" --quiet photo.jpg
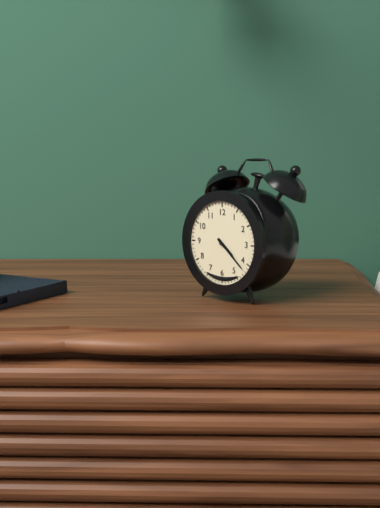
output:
4 h 22 min
